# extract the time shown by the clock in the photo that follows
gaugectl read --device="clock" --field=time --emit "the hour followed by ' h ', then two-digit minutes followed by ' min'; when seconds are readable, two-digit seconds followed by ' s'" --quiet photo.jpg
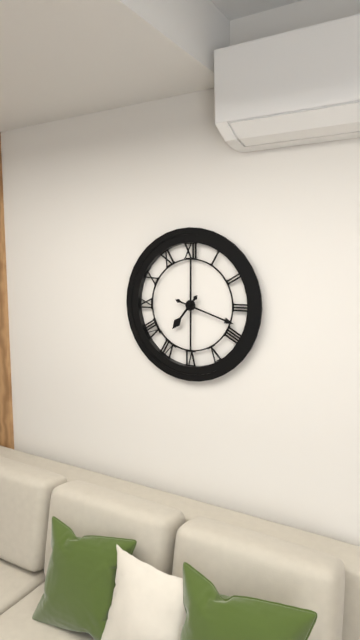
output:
7 h 18 min
